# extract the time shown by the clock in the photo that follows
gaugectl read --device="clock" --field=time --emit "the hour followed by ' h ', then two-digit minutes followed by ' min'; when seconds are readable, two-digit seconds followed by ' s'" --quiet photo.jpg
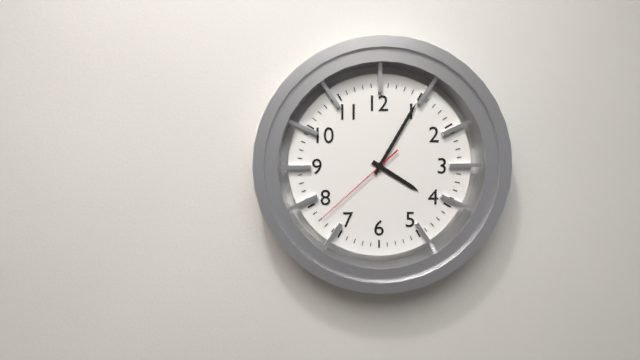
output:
4 h 05 min 38 s
